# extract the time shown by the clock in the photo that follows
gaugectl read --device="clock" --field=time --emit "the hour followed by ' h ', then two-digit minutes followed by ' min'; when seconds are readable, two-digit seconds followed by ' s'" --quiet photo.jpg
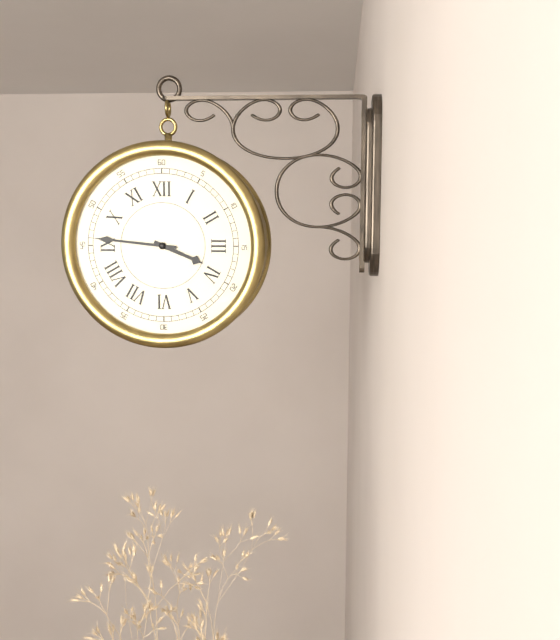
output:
3 h 46 min
